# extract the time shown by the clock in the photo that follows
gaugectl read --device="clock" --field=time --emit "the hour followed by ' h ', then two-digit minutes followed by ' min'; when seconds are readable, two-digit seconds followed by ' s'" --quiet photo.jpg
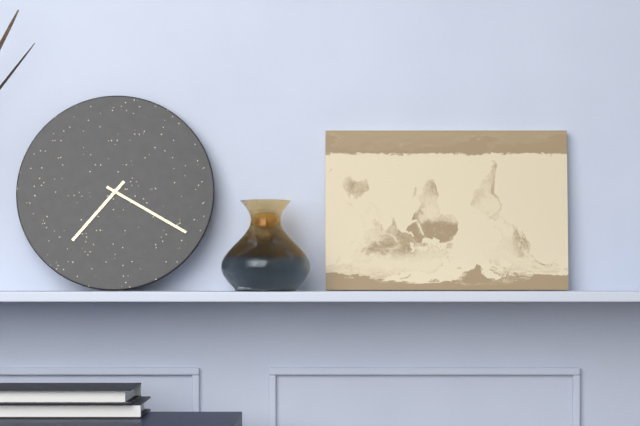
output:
7 h 20 min
